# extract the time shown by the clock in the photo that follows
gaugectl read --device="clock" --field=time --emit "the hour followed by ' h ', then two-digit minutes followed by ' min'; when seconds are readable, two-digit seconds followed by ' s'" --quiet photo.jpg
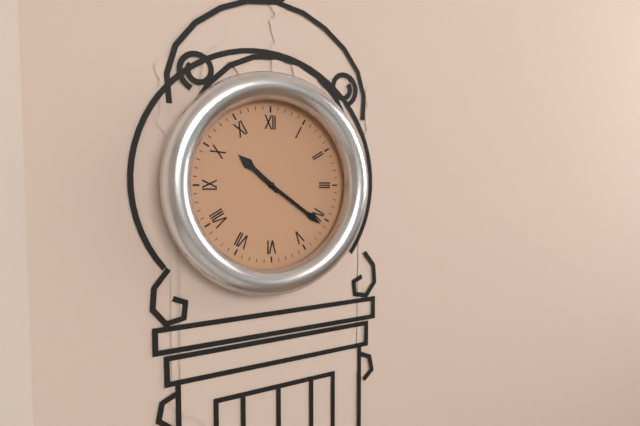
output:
10 h 21 min
